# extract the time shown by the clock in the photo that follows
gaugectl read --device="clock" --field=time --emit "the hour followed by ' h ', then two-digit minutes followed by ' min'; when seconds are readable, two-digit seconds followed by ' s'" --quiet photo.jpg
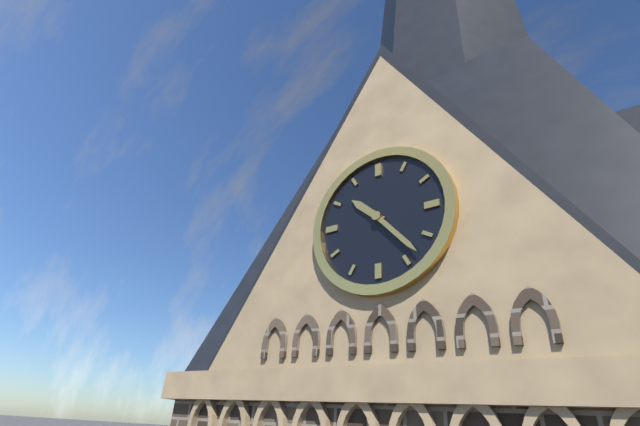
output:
10 h 23 min
